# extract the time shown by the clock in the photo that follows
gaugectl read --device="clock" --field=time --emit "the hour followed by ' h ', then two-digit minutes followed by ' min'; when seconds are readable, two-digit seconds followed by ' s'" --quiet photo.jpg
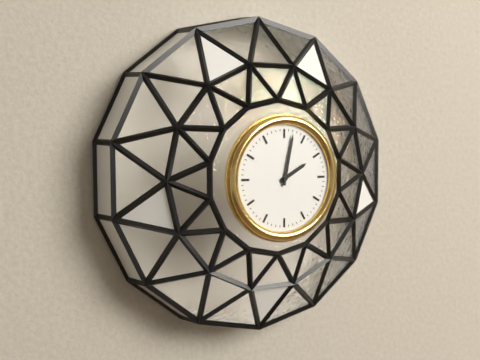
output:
2 h 02 min
